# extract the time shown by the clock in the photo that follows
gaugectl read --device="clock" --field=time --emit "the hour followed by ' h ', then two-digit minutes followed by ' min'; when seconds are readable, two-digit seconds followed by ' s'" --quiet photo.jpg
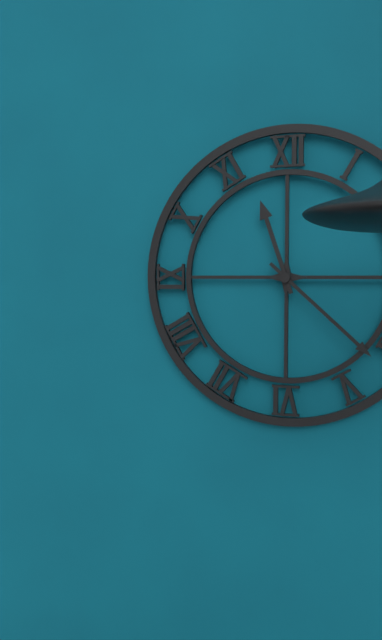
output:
11 h 22 min
